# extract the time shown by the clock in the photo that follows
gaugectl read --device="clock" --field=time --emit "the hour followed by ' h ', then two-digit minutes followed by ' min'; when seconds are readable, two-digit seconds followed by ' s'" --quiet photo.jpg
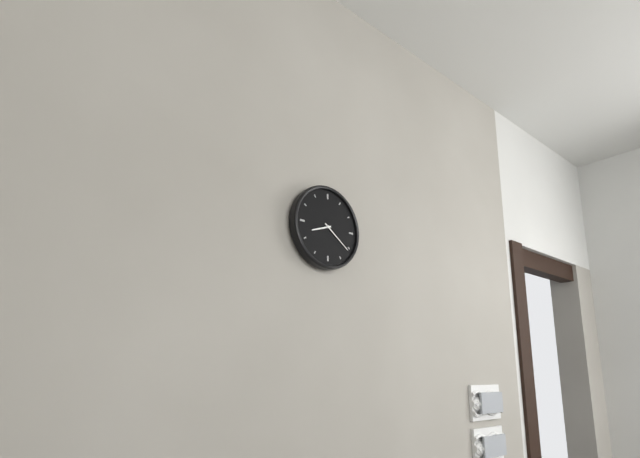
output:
8 h 21 min
